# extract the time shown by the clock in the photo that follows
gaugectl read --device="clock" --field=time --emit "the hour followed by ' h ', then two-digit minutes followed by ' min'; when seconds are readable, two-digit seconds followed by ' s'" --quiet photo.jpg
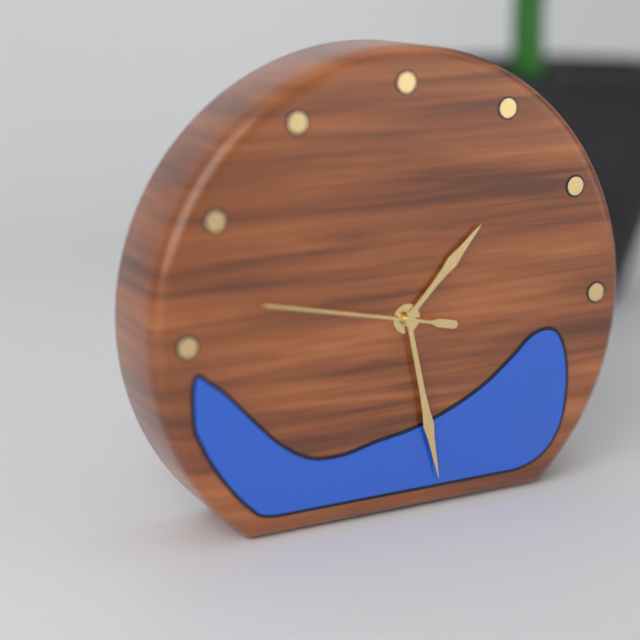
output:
1 h 28 min 47 s
